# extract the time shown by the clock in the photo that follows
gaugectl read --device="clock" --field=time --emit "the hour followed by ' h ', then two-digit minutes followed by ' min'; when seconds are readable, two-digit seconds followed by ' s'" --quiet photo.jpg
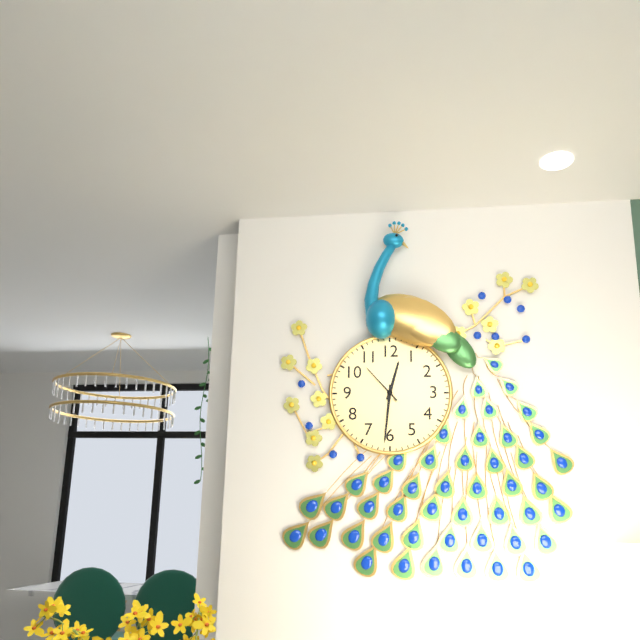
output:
12 h 31 min
